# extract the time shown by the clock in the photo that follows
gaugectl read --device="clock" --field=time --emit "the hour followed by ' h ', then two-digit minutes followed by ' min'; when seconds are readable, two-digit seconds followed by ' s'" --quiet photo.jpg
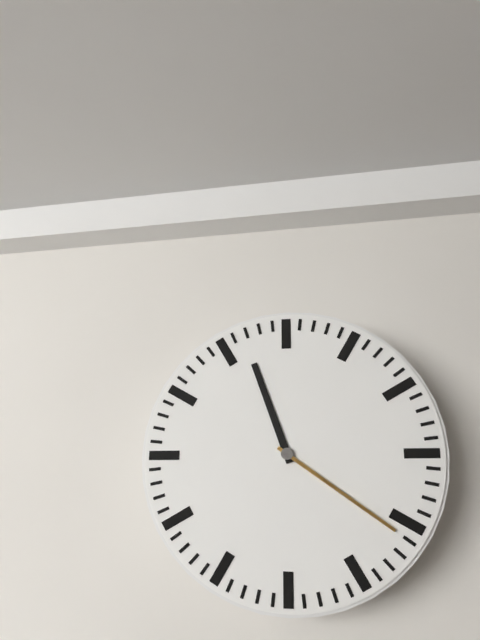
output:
11 h 21 min
